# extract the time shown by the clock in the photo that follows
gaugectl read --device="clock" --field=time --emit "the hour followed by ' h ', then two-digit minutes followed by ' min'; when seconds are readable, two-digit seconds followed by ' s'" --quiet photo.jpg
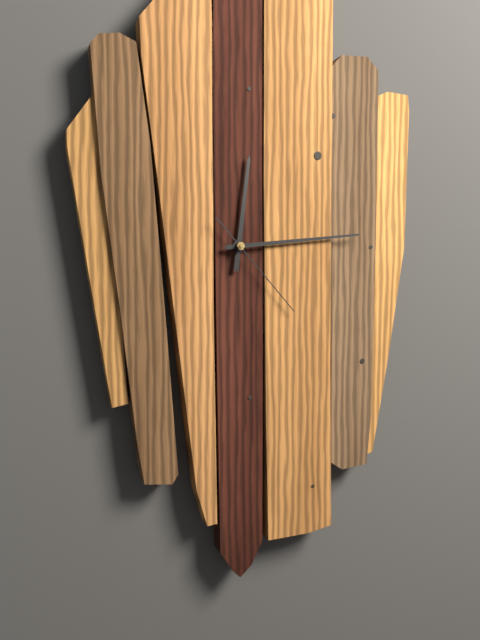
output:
12 h 14 min 23 s
